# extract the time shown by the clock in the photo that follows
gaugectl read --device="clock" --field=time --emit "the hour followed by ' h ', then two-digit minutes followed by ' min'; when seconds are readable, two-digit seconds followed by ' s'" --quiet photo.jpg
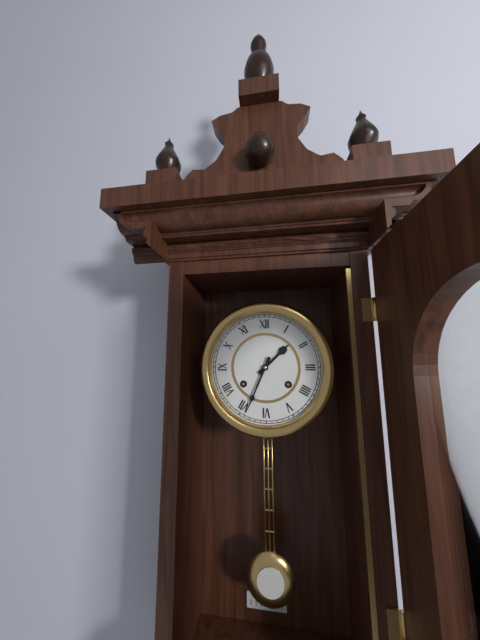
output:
1 h 34 min
